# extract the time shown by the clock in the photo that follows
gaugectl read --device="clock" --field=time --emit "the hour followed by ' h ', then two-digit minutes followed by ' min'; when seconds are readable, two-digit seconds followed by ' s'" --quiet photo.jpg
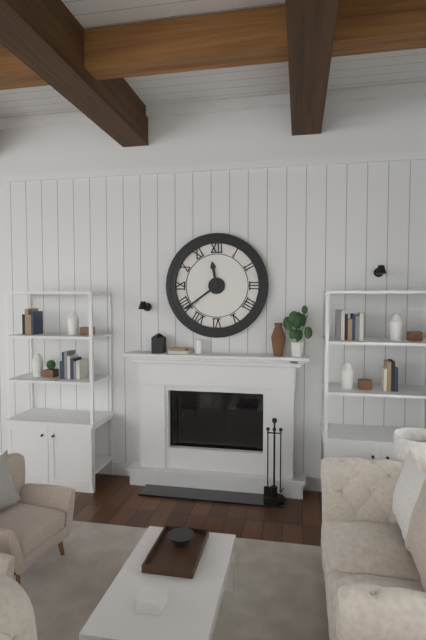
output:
11 h 39 min
